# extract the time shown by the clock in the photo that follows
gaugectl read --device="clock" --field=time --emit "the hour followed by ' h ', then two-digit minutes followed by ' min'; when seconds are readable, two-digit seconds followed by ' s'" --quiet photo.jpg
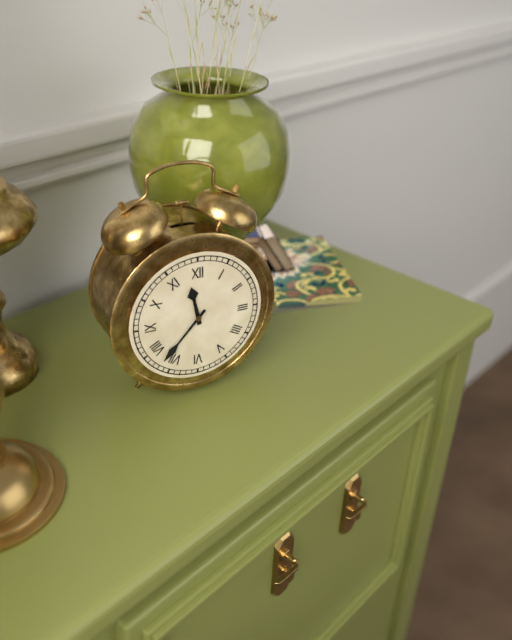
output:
11 h 37 min
